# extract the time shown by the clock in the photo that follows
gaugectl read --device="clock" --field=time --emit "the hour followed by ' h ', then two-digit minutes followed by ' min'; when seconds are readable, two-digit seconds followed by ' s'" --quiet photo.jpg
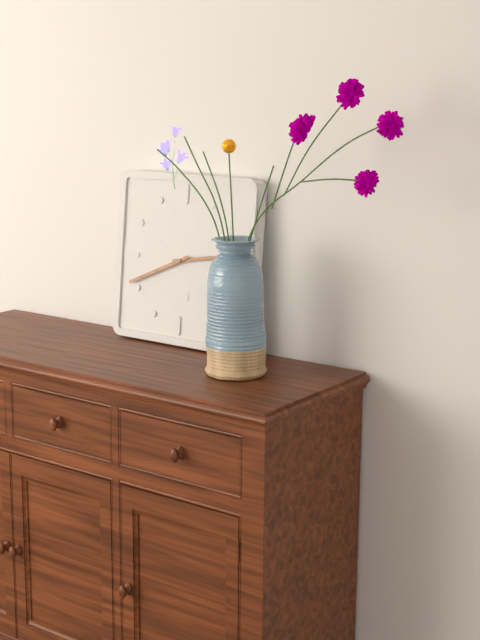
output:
2 h 41 min
